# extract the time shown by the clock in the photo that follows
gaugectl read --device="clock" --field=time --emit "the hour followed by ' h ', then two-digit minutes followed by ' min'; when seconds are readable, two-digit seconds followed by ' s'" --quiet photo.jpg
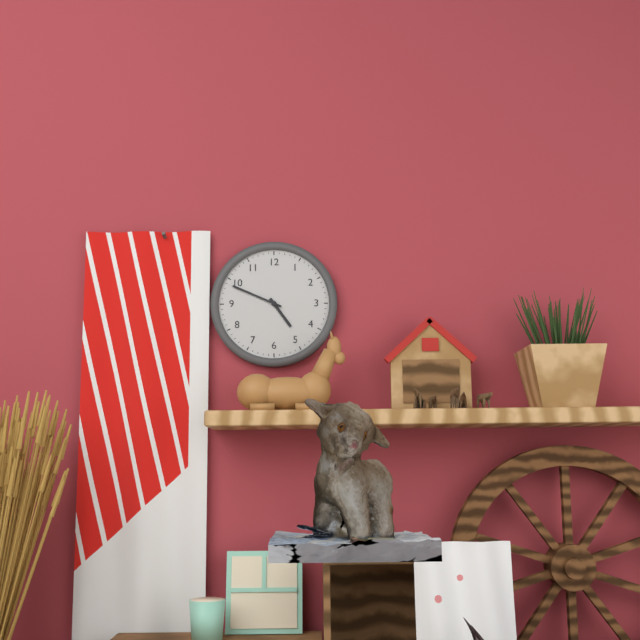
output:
4 h 49 min
